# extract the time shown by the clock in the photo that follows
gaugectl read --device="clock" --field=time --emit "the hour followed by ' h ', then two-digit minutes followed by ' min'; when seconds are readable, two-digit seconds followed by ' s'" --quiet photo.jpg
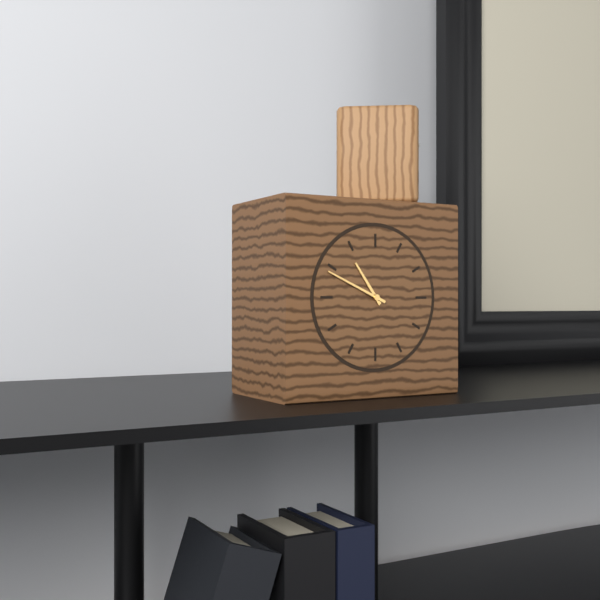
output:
10 h 49 min
